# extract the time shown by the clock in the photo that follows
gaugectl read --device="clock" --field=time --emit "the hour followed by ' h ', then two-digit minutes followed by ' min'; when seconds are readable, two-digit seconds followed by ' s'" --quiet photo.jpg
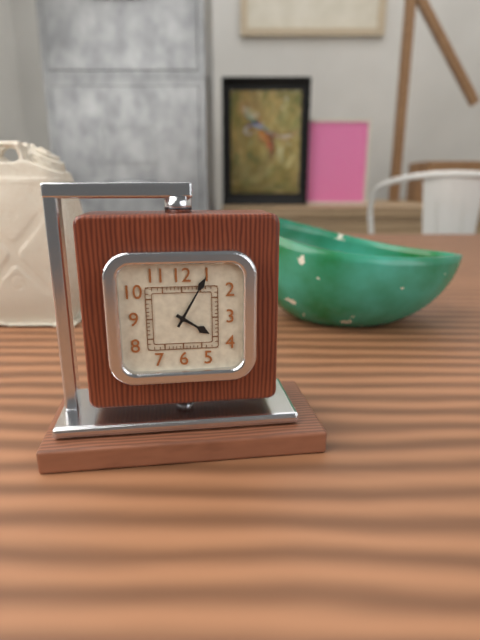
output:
4 h 05 min
